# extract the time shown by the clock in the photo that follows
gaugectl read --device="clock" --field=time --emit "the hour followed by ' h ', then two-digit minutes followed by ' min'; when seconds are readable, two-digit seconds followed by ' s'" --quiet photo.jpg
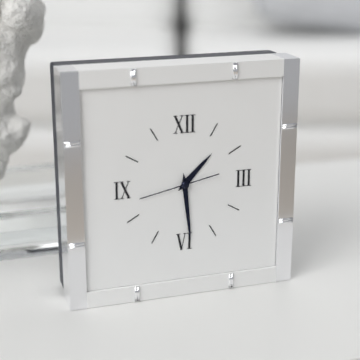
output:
1 h 29 min 43 s
